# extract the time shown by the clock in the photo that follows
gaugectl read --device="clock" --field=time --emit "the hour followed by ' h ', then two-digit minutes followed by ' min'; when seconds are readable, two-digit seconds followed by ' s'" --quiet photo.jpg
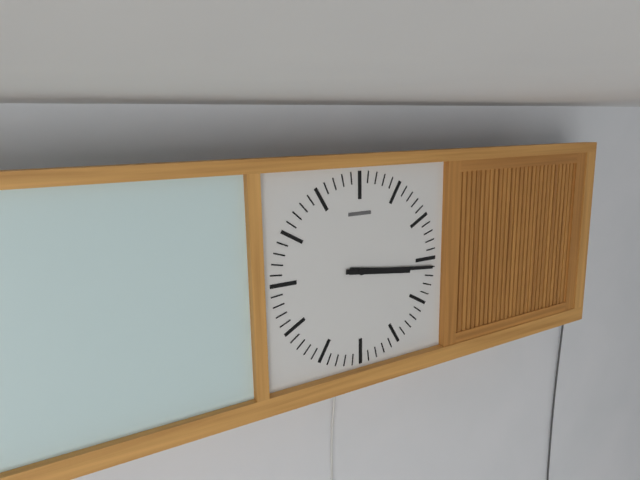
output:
3 h 16 min
